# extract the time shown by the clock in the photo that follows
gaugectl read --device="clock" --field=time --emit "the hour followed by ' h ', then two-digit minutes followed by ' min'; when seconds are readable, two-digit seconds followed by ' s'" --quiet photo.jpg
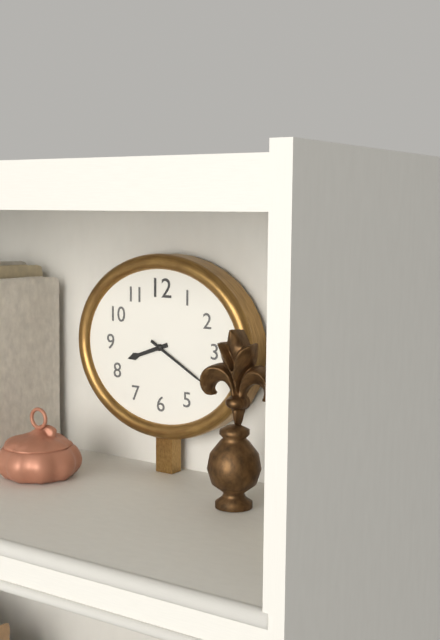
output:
8 h 20 min
